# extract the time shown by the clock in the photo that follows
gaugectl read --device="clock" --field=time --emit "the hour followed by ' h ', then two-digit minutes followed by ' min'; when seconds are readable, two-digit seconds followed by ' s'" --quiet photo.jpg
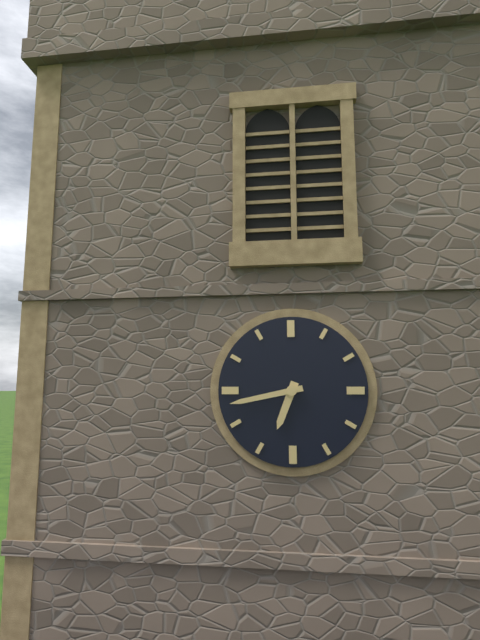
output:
6 h 43 min
